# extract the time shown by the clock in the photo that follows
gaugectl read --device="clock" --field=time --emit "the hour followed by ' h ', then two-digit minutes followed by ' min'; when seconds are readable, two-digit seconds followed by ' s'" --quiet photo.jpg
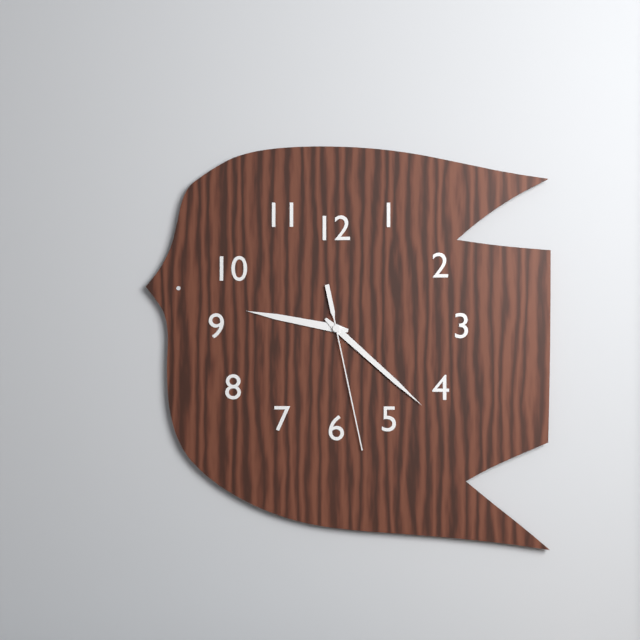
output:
9 h 22 min 28 s
